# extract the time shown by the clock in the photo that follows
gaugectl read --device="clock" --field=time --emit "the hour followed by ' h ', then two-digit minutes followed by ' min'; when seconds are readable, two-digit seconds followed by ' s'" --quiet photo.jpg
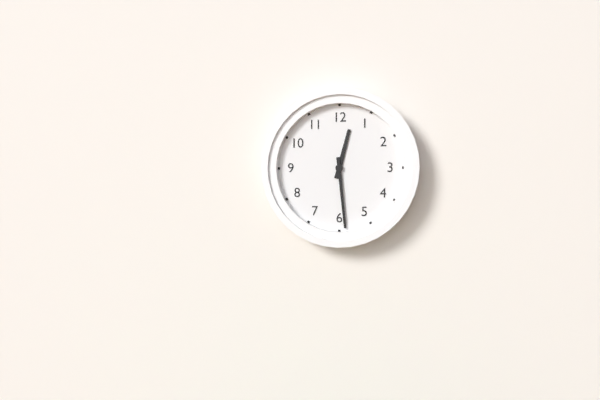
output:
12 h 29 min
